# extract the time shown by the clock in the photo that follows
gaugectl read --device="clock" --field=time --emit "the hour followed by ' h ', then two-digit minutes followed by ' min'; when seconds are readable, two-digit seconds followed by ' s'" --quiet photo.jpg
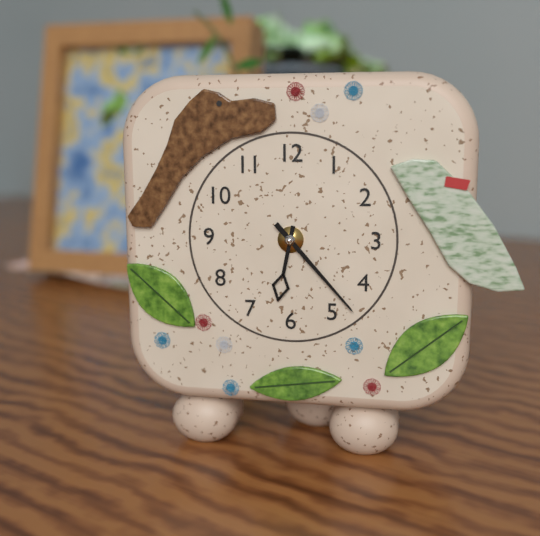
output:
6 h 23 min
